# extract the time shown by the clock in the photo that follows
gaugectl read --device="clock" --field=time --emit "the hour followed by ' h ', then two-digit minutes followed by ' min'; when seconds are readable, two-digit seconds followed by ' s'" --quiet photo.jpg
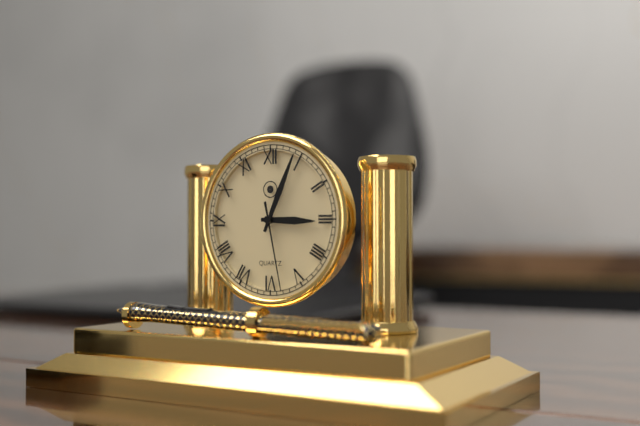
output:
3 h 04 min 28 s
